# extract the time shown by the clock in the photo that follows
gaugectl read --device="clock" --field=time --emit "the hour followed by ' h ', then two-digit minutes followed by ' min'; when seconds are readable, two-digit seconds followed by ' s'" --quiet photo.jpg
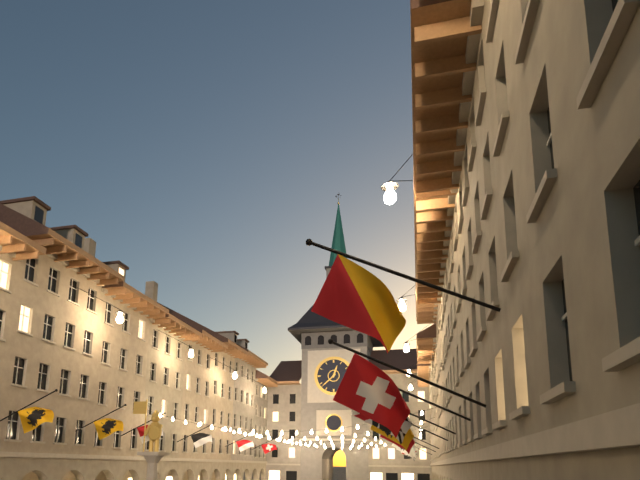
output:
12 h 38 min
